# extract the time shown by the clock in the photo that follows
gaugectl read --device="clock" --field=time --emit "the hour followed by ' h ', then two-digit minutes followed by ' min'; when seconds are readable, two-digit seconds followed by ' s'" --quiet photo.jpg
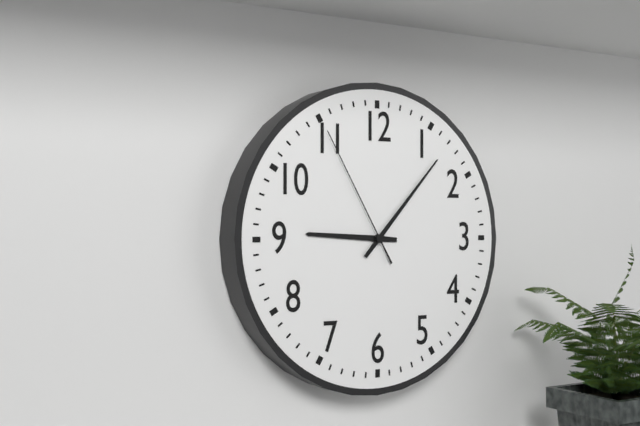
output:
9 h 07 min 55 s
